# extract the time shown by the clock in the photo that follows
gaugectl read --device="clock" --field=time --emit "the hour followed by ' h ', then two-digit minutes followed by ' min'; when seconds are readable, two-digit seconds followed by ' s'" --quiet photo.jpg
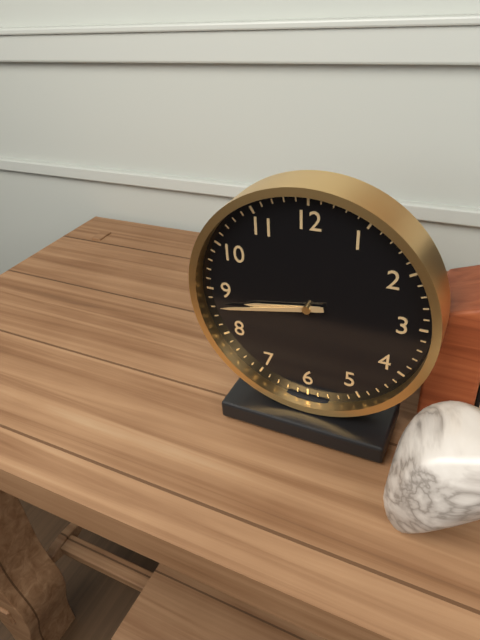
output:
8 h 43 min
